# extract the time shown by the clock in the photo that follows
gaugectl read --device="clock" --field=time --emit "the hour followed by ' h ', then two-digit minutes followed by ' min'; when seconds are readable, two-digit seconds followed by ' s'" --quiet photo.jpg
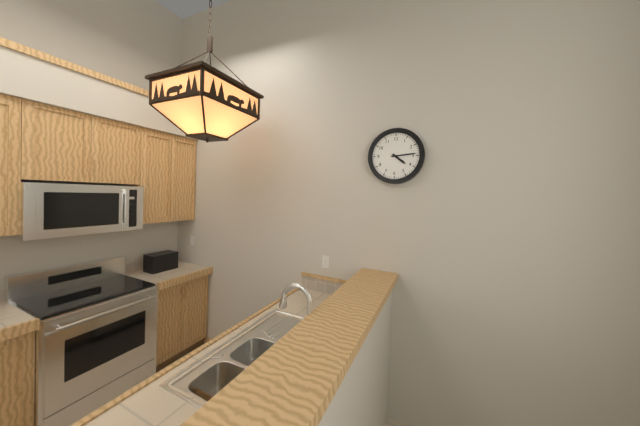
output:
4 h 14 min
